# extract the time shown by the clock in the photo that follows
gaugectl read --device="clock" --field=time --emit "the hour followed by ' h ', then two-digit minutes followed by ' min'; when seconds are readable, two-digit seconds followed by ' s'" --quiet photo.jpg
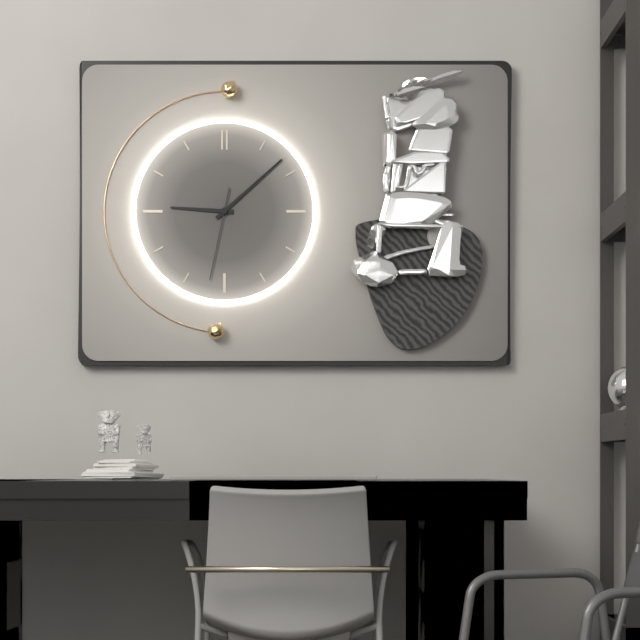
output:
9 h 08 min 32 s
